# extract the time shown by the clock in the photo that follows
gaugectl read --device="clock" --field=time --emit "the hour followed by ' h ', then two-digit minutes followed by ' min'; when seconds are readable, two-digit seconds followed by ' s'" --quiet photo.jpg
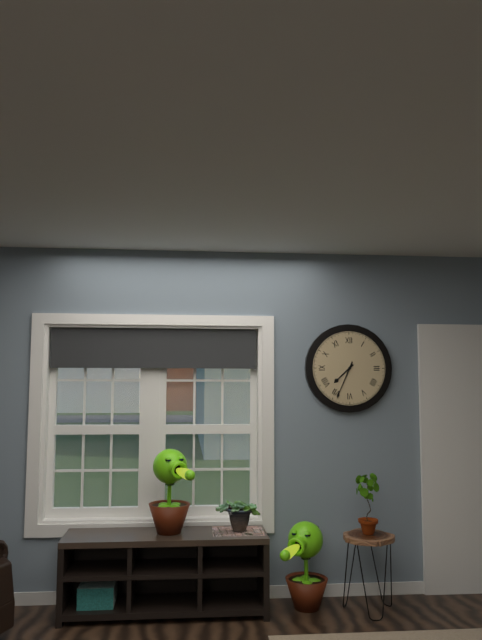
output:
7 h 34 min
